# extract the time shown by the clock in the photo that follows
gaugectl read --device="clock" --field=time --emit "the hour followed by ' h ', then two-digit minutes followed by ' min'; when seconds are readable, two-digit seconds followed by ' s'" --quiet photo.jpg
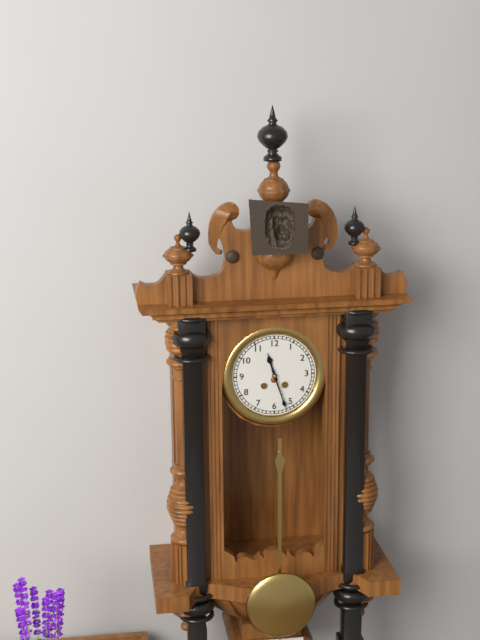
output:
11 h 27 min
